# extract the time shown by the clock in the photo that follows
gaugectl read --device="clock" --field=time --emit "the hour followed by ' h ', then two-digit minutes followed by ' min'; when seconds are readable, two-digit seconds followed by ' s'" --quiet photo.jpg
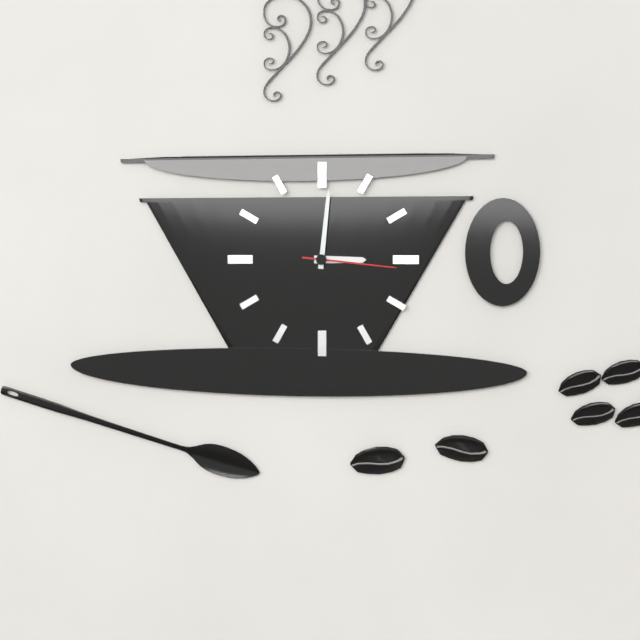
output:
3 h 01 min 16 s
